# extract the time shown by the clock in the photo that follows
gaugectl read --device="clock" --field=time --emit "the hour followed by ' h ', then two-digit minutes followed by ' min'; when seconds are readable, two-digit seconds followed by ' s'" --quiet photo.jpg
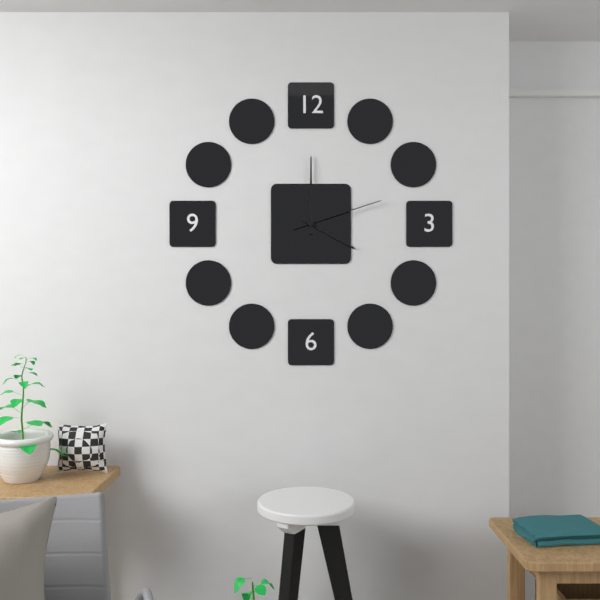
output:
4 h 00 min 12 s
